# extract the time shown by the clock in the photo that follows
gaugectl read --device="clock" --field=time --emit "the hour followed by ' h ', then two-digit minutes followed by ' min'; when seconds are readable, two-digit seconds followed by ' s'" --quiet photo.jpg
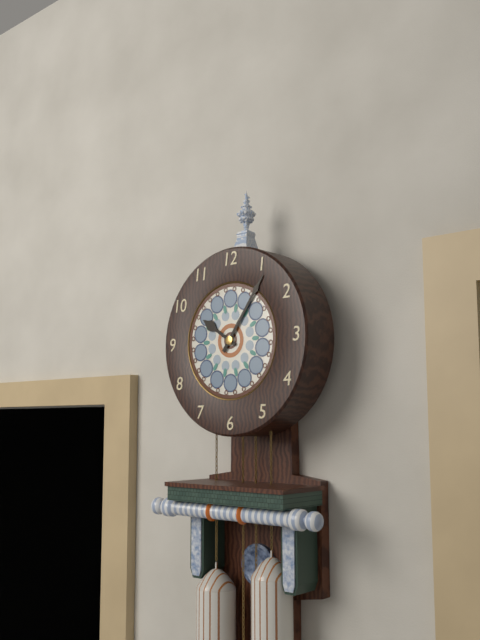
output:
10 h 06 min
